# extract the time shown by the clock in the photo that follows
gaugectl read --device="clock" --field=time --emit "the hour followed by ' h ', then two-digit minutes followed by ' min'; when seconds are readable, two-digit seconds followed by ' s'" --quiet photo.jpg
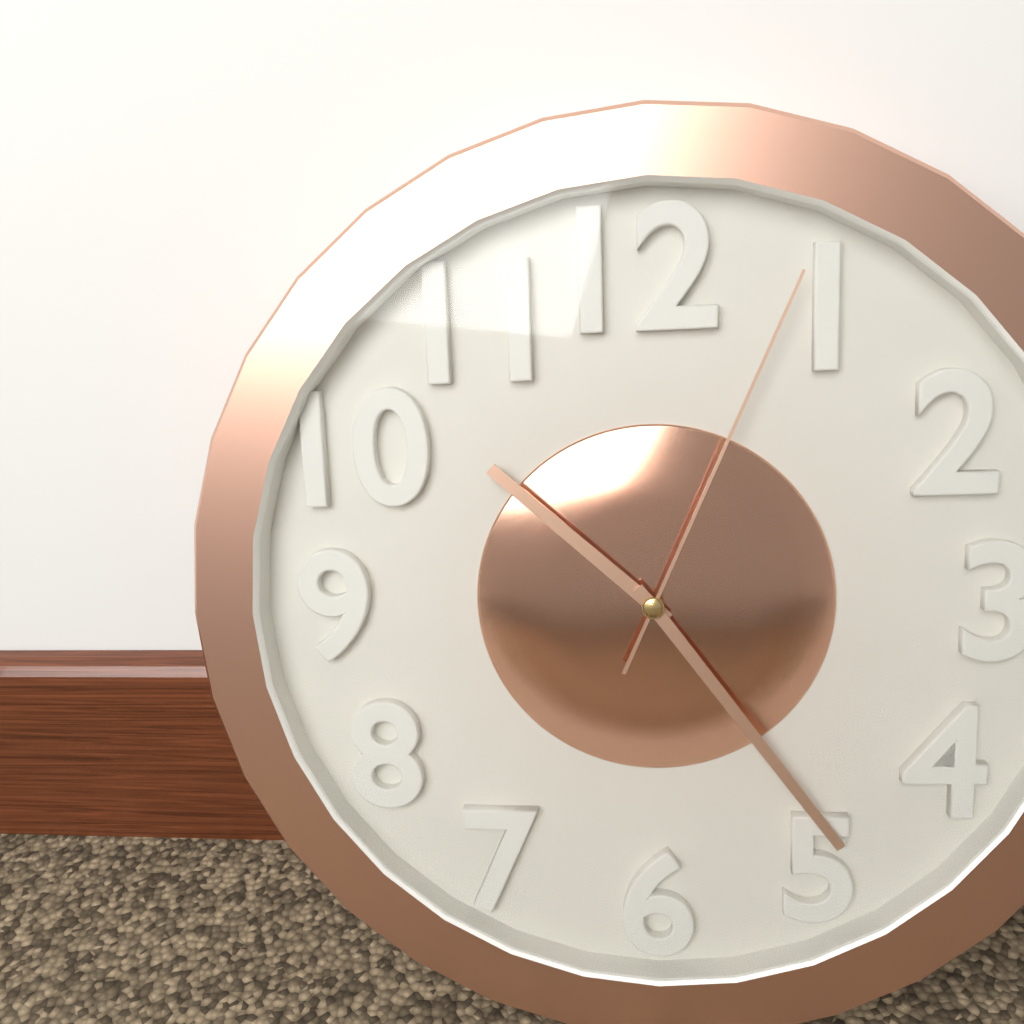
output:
10 h 24 min 04 s
